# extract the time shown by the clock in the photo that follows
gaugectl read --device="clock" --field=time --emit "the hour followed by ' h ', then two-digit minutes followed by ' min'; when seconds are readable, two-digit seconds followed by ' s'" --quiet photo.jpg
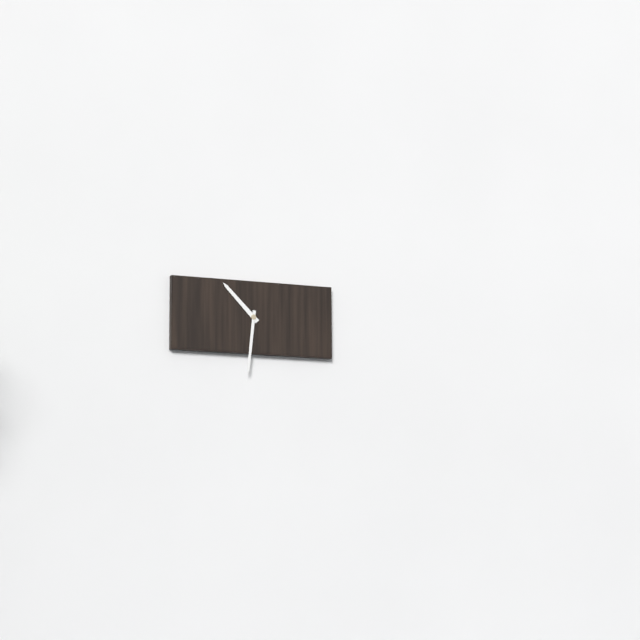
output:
10 h 31 min
